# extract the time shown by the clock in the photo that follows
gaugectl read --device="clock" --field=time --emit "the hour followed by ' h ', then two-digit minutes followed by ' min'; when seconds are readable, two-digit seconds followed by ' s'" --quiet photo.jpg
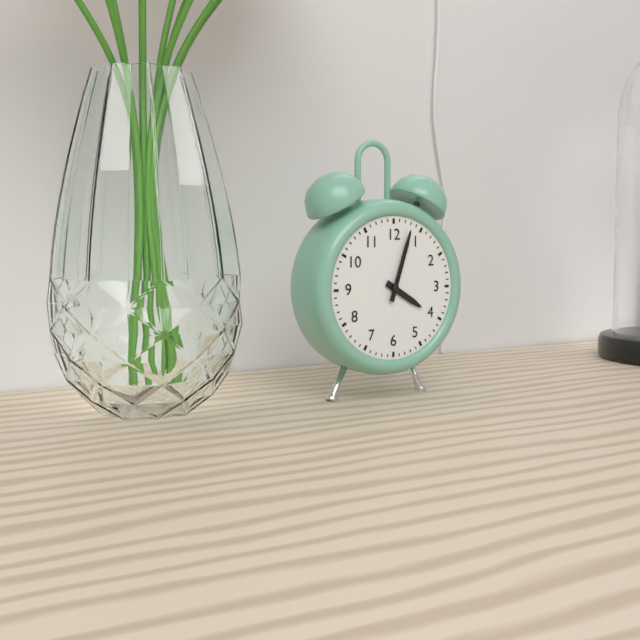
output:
4 h 03 min
